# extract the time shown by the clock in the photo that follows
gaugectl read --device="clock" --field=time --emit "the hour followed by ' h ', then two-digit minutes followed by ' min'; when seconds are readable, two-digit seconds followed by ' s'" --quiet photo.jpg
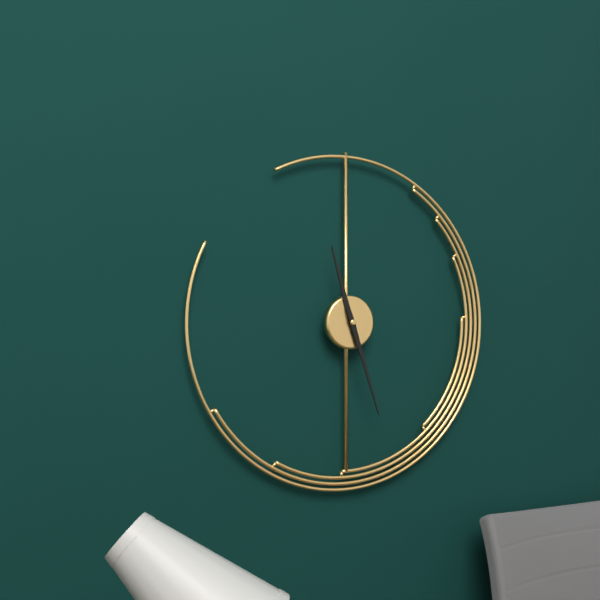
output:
11 h 27 min
